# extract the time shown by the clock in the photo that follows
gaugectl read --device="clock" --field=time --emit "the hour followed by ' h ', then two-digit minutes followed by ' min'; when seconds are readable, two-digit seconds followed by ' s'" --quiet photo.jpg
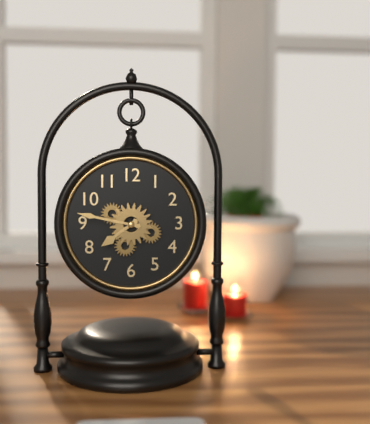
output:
7 h 47 min
